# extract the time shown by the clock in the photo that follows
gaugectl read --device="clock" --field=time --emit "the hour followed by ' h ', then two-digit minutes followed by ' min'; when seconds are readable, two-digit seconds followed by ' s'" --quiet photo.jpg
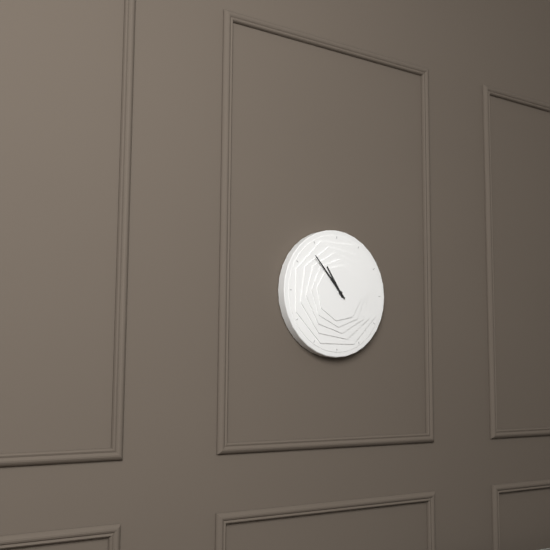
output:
10 h 53 min
